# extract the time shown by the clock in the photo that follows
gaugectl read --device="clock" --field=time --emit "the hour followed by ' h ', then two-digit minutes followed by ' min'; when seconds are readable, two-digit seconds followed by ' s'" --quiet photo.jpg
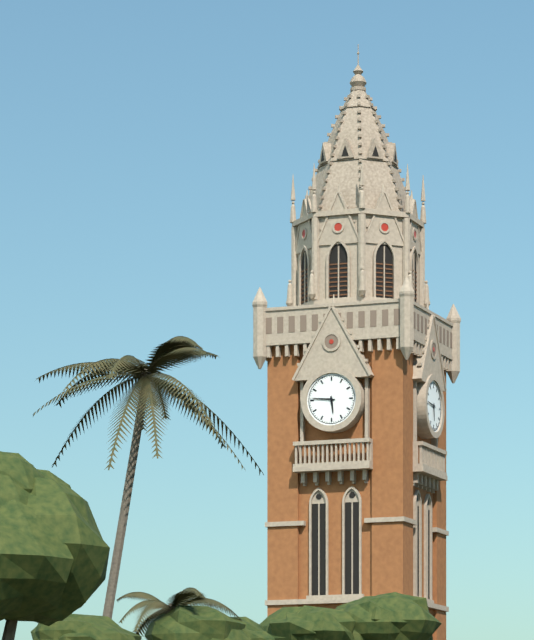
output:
5 h 46 min
